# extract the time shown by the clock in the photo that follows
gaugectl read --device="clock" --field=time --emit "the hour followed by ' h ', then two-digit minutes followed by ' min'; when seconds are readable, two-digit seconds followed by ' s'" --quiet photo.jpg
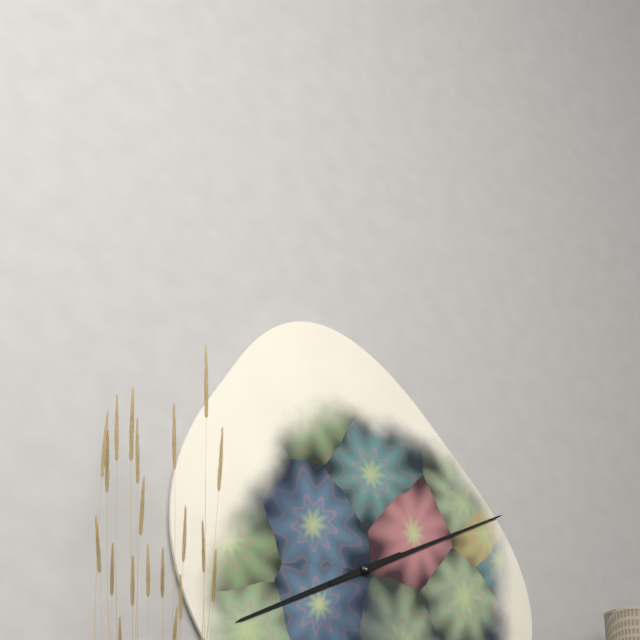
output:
8 h 11 min
